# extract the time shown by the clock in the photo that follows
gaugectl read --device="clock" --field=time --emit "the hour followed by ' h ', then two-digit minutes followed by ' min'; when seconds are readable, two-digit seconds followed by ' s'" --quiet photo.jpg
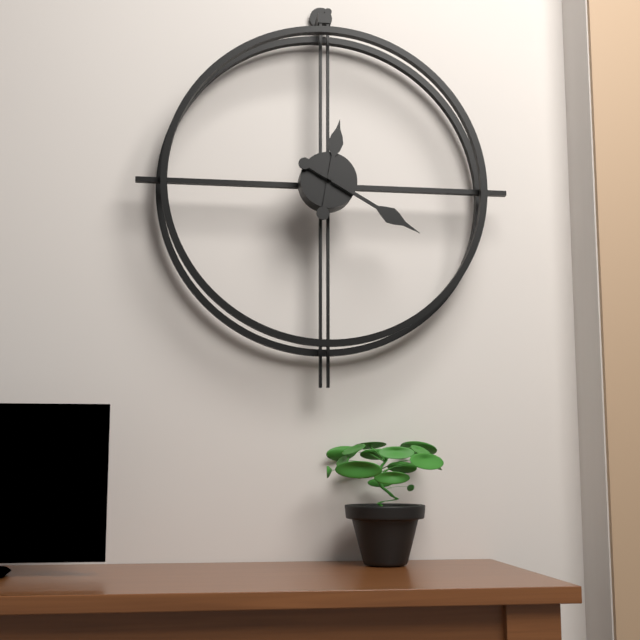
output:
12 h 20 min
